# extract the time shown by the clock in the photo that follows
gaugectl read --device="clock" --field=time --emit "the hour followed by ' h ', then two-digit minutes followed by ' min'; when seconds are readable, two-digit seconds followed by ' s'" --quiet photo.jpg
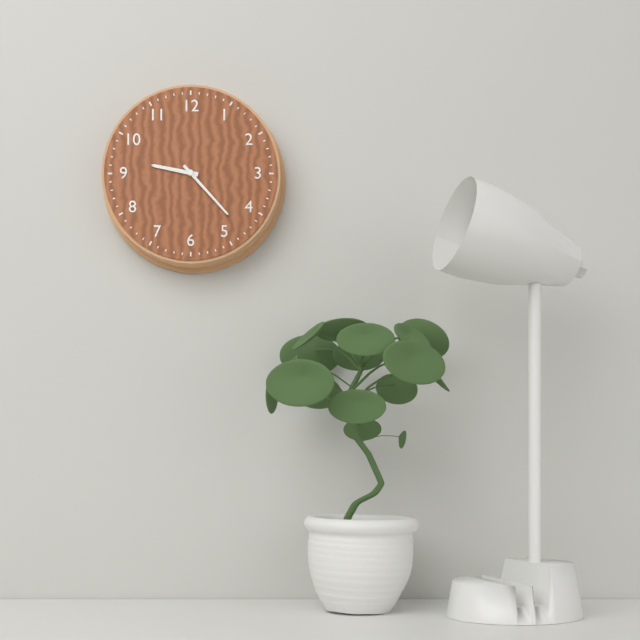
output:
9 h 23 min
